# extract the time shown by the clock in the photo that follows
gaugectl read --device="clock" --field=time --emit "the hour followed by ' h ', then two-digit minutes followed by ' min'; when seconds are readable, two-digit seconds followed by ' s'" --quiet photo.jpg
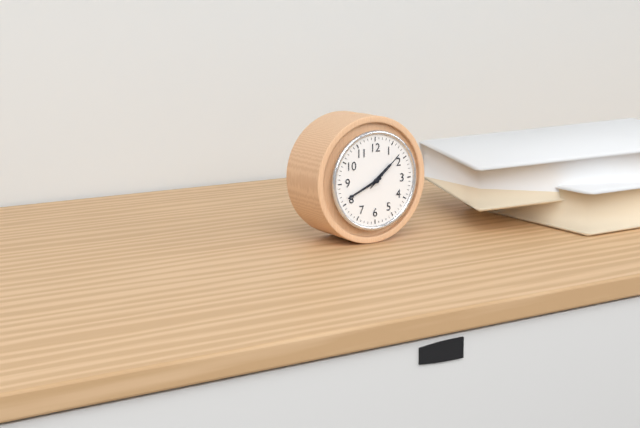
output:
1 h 41 min
